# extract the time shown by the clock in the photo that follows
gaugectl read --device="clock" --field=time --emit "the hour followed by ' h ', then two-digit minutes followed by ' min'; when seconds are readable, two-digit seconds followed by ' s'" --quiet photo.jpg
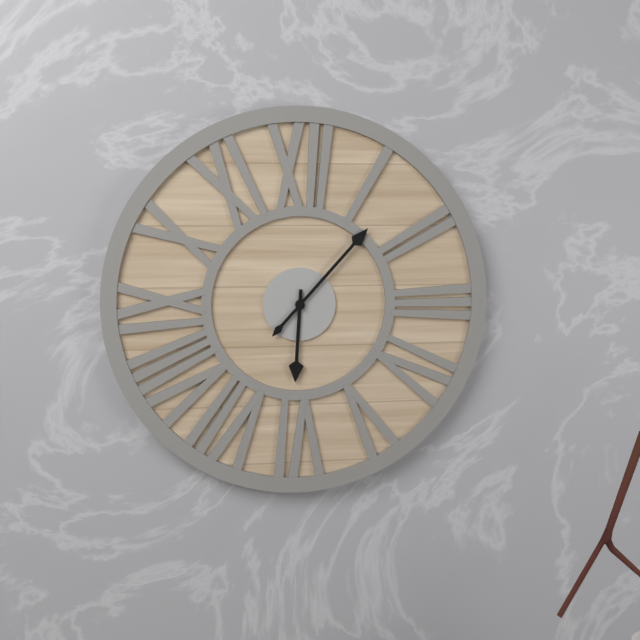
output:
6 h 07 min
